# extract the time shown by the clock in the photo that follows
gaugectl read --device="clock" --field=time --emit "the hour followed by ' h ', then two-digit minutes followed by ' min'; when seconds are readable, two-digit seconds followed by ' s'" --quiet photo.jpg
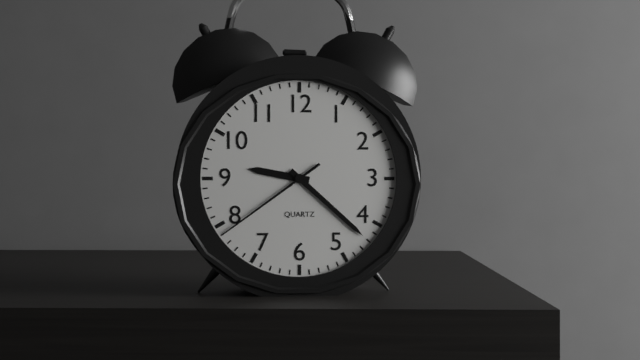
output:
9 h 22 min 39 s
